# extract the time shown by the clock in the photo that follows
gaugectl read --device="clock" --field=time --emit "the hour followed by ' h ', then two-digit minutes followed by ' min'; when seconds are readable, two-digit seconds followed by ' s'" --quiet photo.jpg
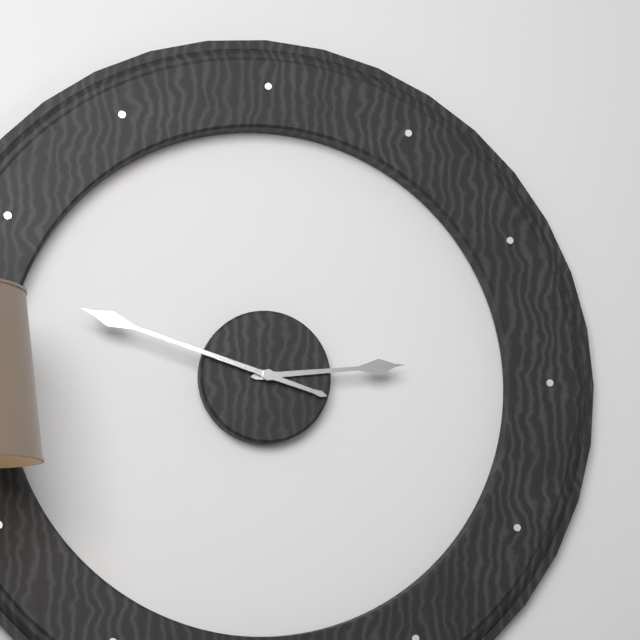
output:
2 h 48 min
